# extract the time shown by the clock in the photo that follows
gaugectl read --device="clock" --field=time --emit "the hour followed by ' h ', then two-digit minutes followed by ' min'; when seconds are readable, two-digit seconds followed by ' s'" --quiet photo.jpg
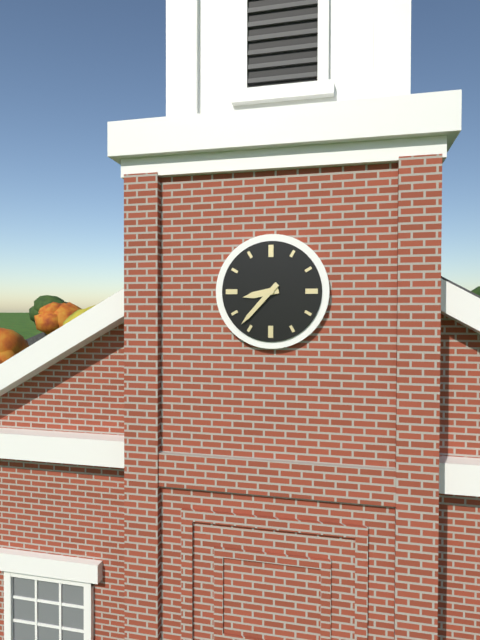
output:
8 h 37 min
